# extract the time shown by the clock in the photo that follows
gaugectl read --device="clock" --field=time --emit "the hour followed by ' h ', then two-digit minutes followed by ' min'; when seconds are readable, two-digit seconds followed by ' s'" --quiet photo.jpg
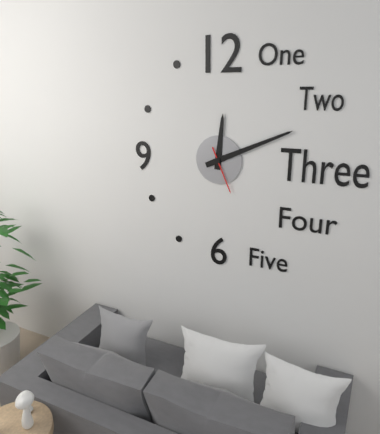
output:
12 h 11 min
